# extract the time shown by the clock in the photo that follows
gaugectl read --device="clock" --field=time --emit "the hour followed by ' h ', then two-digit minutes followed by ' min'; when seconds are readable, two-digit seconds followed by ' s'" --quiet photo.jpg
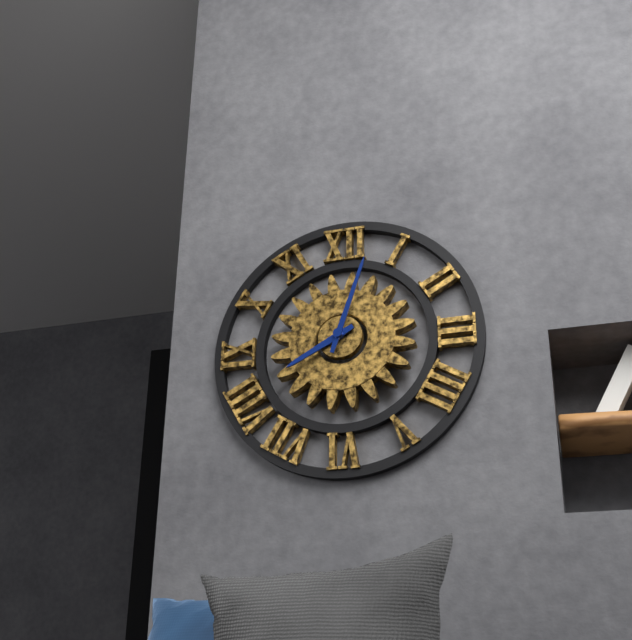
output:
8 h 03 min
